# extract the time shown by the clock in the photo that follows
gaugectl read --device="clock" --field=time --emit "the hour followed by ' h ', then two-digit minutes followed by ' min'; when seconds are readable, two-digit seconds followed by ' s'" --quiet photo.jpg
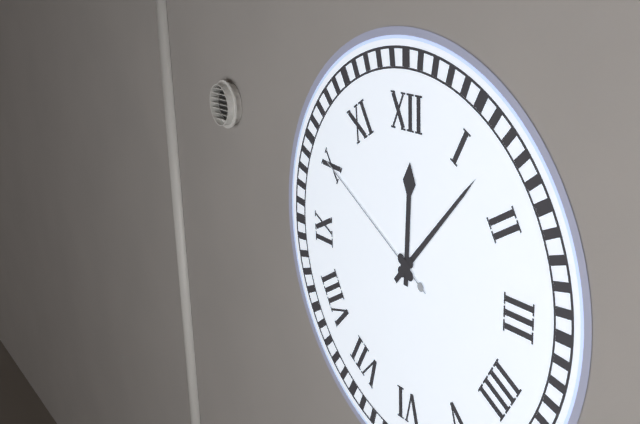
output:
12 h 07 min 50 s
